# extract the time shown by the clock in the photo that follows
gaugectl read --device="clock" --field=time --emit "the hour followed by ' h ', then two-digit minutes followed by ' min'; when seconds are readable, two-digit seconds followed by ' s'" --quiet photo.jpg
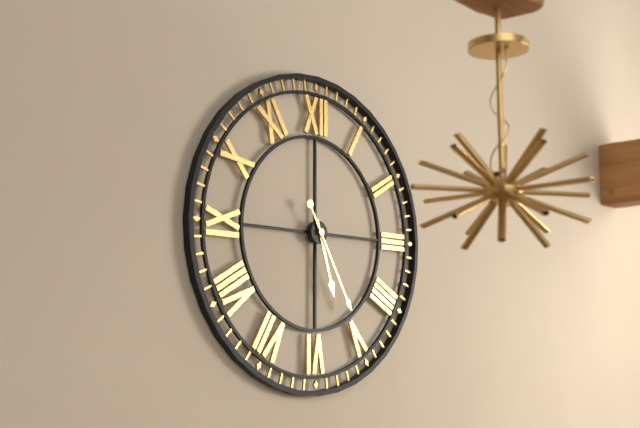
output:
5 h 25 min
